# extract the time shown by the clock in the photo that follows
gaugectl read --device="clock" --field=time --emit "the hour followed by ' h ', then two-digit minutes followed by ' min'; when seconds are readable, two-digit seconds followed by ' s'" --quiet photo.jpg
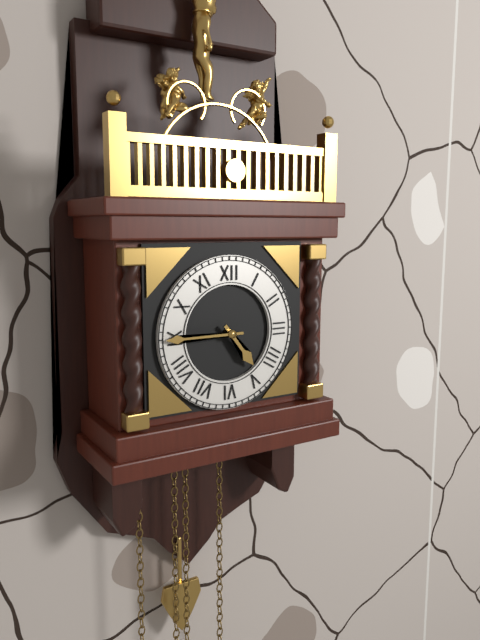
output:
4 h 45 min
